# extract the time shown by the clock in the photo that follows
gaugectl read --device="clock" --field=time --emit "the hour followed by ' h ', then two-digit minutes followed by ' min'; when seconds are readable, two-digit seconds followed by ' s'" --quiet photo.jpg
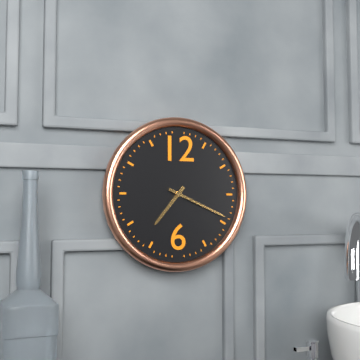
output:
7 h 19 min
